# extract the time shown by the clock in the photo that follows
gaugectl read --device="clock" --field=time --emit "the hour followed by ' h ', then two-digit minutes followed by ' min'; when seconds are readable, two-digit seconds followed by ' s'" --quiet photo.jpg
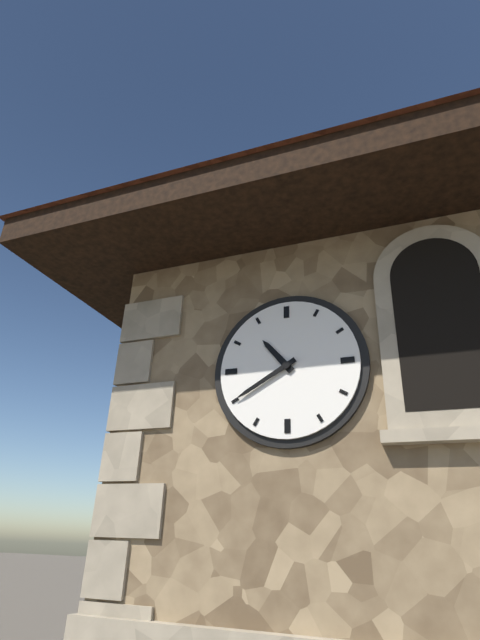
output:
10 h 40 min
